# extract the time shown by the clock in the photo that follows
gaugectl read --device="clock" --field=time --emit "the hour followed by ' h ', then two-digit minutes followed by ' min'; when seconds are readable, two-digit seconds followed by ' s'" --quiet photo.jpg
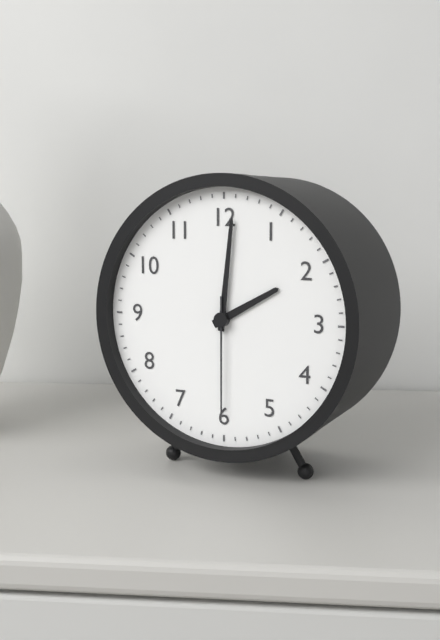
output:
2 h 01 min 30 s
